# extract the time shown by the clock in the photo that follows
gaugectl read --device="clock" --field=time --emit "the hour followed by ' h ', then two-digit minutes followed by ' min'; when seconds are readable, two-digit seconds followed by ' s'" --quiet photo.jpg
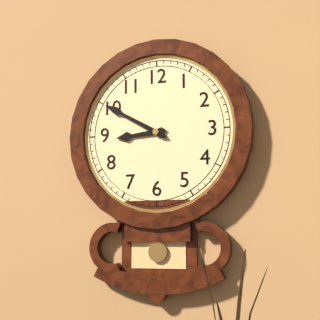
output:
8 h 50 min
